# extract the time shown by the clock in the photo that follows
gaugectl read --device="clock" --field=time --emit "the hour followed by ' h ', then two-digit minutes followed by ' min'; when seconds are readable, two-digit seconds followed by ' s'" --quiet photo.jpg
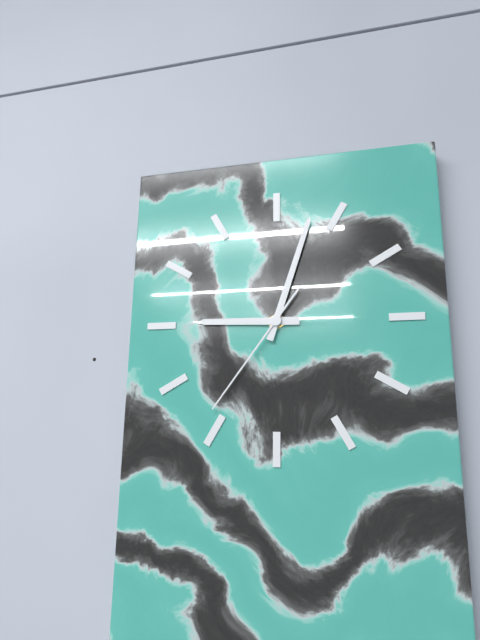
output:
9 h 03 min 36 s
